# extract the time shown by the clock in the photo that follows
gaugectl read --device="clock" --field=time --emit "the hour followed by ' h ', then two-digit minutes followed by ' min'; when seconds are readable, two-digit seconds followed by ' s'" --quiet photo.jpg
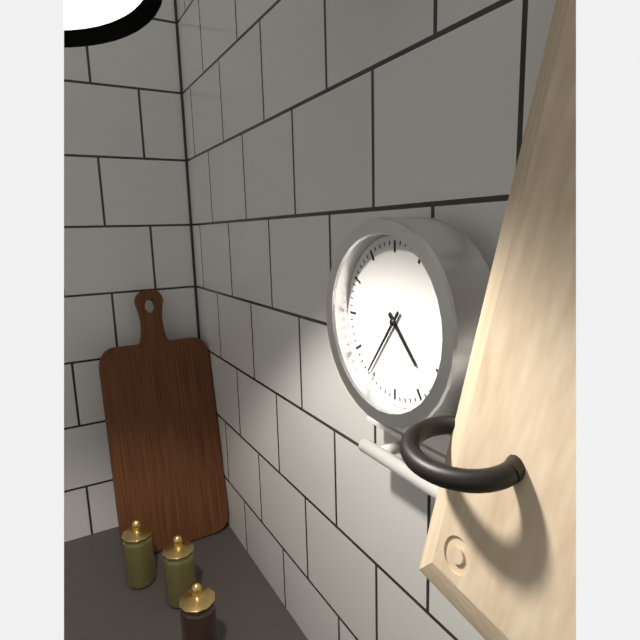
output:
4 h 36 min
